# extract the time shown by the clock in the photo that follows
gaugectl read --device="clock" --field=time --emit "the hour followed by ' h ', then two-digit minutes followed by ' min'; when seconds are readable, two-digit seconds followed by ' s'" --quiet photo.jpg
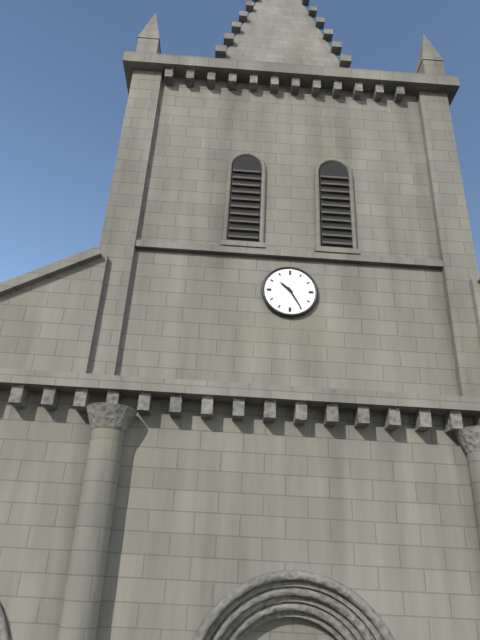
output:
10 h 25 min
